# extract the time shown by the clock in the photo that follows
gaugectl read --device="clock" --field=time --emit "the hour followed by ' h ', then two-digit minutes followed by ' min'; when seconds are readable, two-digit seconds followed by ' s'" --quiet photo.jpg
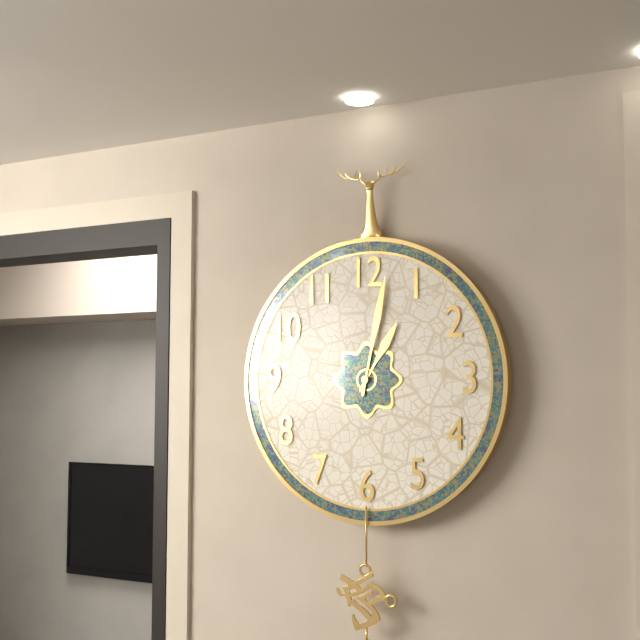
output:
1 h 02 min
